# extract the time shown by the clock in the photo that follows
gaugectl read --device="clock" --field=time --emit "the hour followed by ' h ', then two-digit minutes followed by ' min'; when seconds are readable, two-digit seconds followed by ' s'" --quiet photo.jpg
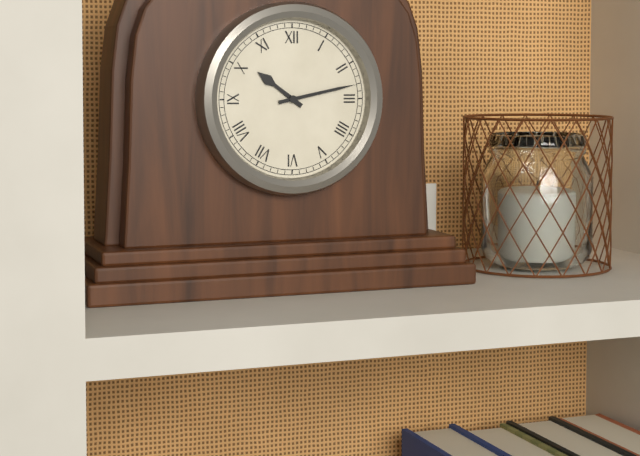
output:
10 h 13 min
